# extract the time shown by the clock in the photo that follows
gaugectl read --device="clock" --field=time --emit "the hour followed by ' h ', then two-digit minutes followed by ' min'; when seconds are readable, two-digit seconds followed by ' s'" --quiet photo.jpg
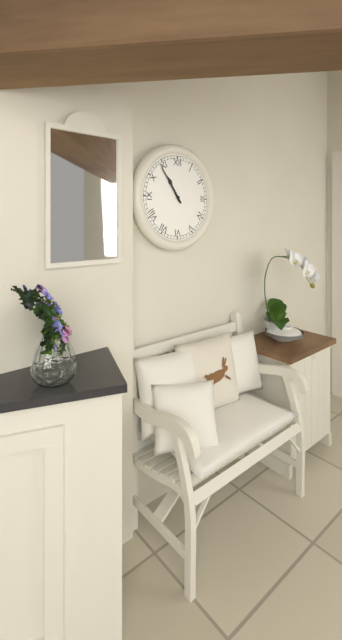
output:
10 h 54 min
